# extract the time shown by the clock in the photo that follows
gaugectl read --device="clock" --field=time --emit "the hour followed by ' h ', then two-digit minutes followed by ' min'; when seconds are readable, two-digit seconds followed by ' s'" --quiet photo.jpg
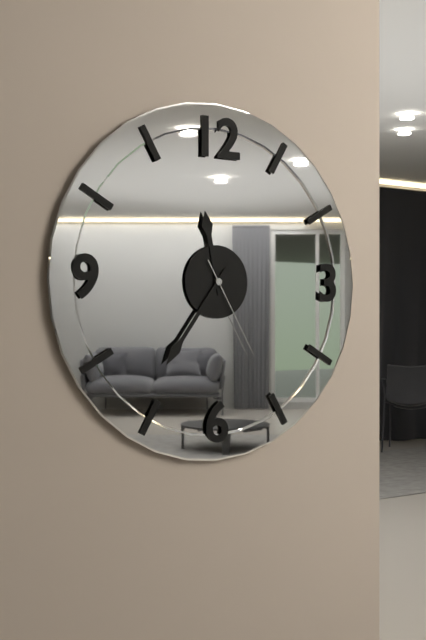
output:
11 h 36 min 25 s
